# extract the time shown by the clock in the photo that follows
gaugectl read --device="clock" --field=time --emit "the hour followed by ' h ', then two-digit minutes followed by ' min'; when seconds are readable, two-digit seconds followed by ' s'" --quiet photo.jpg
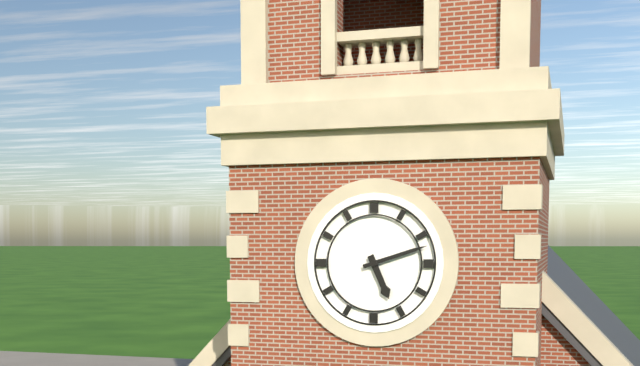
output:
5 h 12 min
